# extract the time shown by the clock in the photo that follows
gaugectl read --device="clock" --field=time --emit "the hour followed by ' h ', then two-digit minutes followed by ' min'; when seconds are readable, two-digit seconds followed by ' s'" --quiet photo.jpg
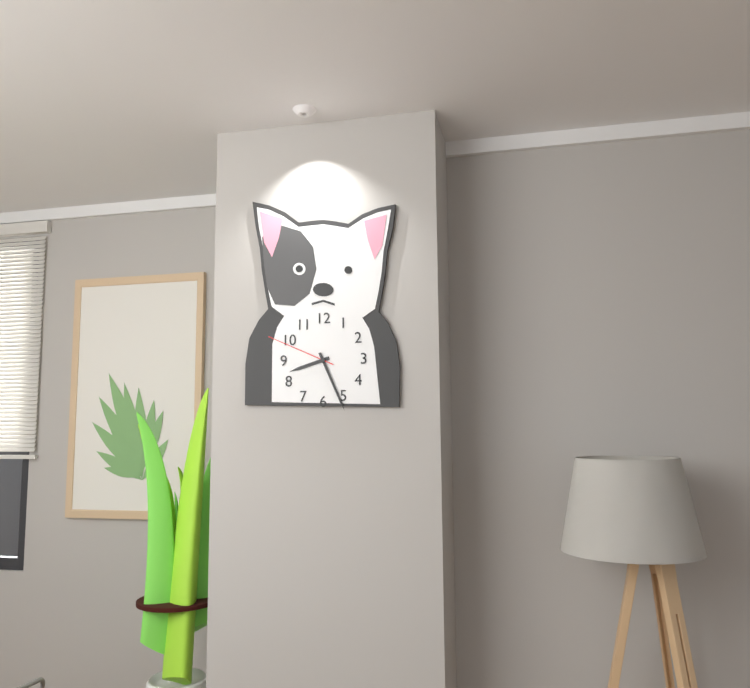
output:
8 h 26 min 49 s
